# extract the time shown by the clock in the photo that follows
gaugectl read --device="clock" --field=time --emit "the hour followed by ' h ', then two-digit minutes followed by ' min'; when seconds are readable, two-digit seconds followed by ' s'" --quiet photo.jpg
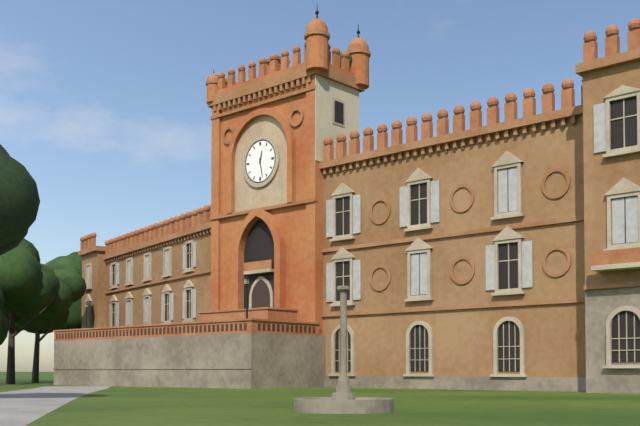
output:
12 h 28 min
